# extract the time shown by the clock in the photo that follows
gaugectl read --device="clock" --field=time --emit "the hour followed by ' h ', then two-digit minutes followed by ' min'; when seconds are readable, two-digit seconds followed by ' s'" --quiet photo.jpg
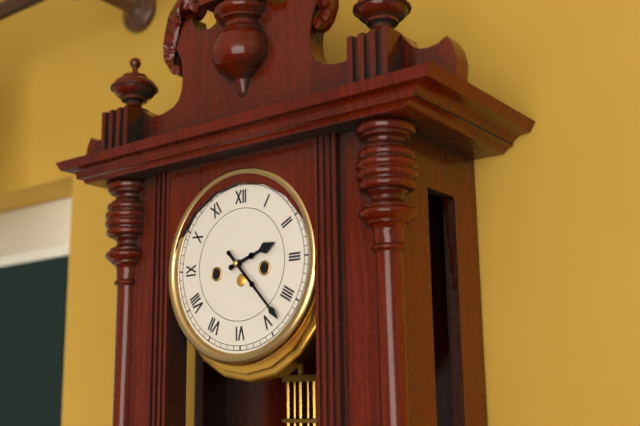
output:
2 h 23 min
